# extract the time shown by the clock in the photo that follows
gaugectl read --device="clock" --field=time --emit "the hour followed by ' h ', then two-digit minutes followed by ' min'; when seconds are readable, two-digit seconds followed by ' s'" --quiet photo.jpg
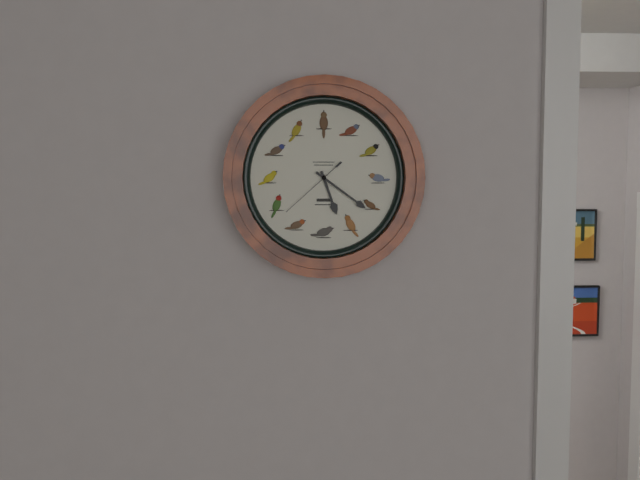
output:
5 h 21 min 38 s
